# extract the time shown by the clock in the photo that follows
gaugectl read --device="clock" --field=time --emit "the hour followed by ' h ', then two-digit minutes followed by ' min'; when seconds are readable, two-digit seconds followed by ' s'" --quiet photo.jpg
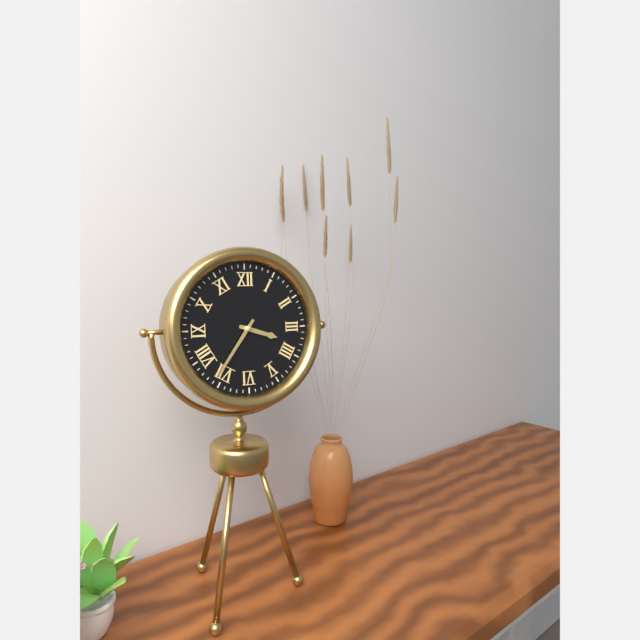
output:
3 h 36 min
